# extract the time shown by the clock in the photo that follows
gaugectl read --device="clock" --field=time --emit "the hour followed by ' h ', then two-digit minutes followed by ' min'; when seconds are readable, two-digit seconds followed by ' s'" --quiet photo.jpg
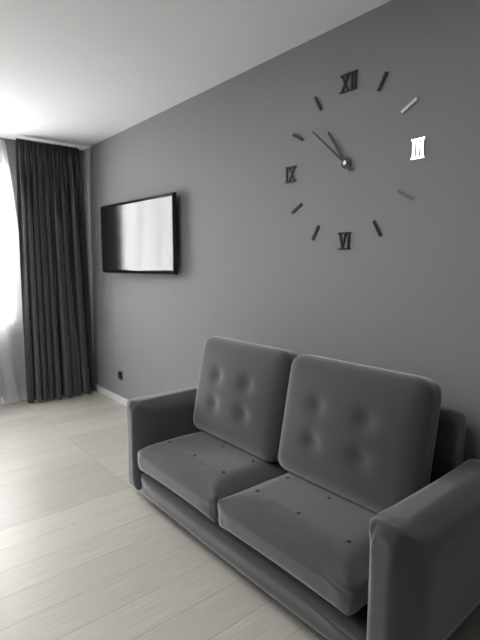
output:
10 h 52 min
